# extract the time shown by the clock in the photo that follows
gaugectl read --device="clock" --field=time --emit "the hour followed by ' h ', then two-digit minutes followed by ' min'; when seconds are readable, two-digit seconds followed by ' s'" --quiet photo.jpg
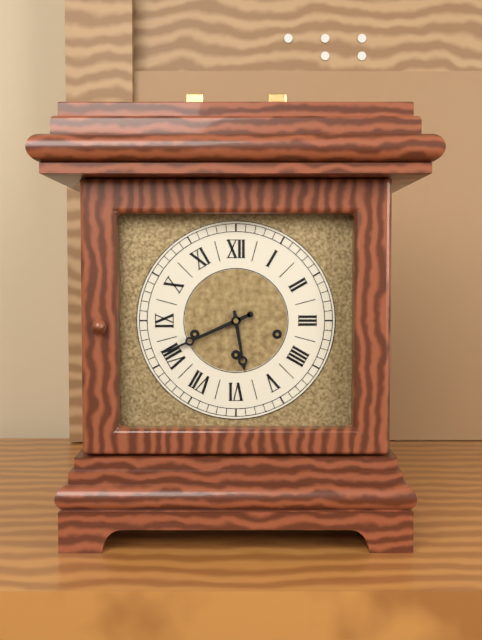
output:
5 h 41 min
